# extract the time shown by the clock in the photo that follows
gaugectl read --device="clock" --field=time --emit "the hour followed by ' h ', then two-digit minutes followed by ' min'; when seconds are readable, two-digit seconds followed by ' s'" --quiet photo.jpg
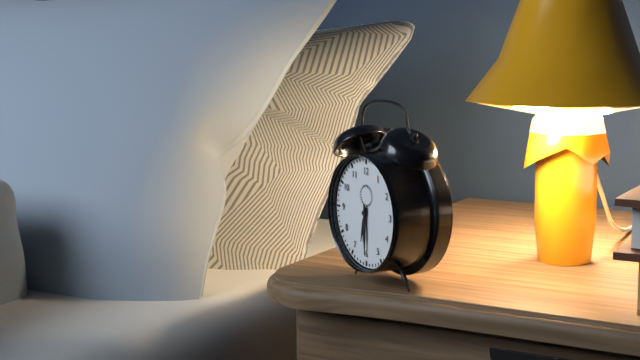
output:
6 h 30 min
